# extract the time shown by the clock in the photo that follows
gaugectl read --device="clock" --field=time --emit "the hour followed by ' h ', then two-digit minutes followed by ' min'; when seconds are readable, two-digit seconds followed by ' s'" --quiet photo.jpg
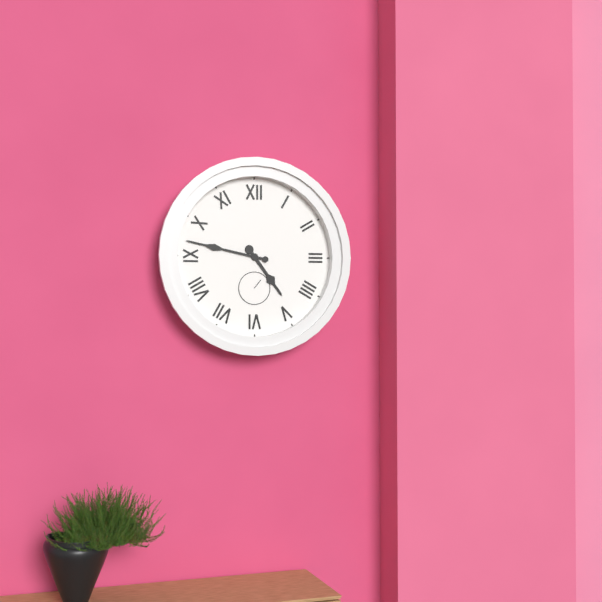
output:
4 h 47 min
